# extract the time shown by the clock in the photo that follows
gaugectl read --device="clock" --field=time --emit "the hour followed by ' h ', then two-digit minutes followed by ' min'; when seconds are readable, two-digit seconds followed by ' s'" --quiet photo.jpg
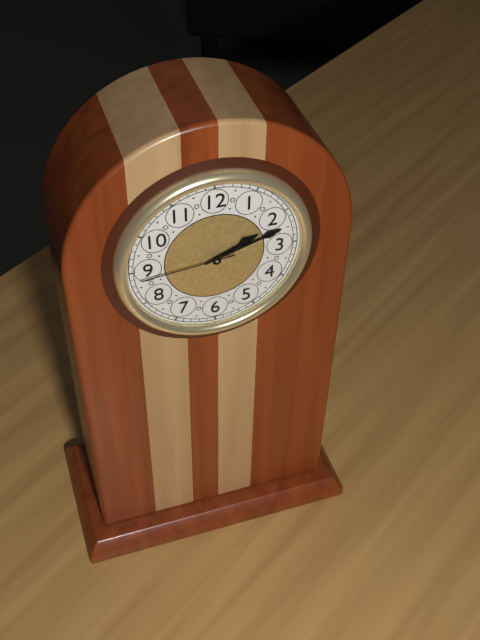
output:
2 h 12 min 44 s
